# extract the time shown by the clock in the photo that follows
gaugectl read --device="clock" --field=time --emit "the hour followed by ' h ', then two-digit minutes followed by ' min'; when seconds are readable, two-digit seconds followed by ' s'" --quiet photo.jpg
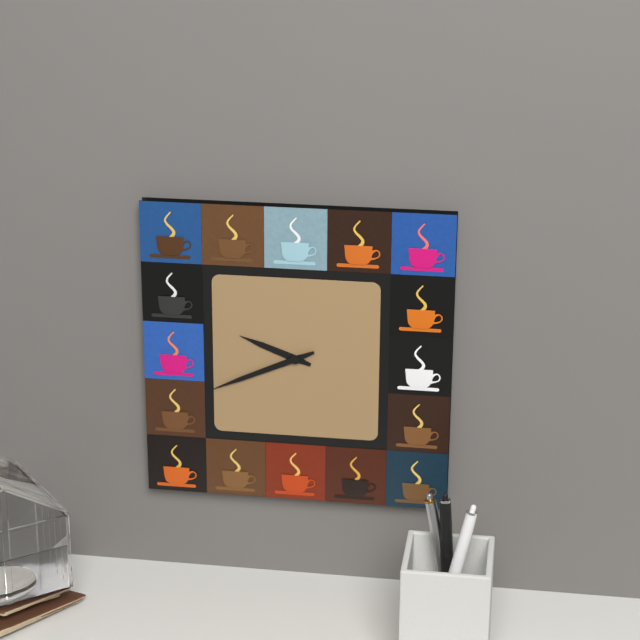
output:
9 h 41 min
